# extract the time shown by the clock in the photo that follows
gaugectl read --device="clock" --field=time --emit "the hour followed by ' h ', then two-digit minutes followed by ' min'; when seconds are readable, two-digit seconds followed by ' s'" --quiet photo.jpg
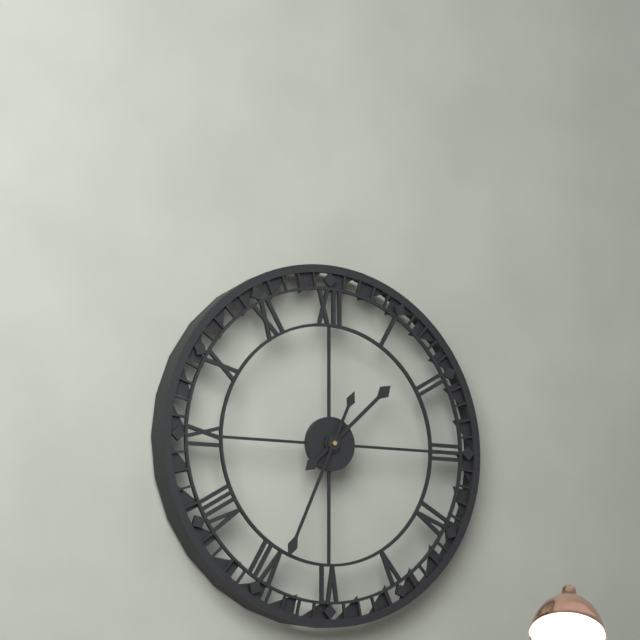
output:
1 h 34 min
